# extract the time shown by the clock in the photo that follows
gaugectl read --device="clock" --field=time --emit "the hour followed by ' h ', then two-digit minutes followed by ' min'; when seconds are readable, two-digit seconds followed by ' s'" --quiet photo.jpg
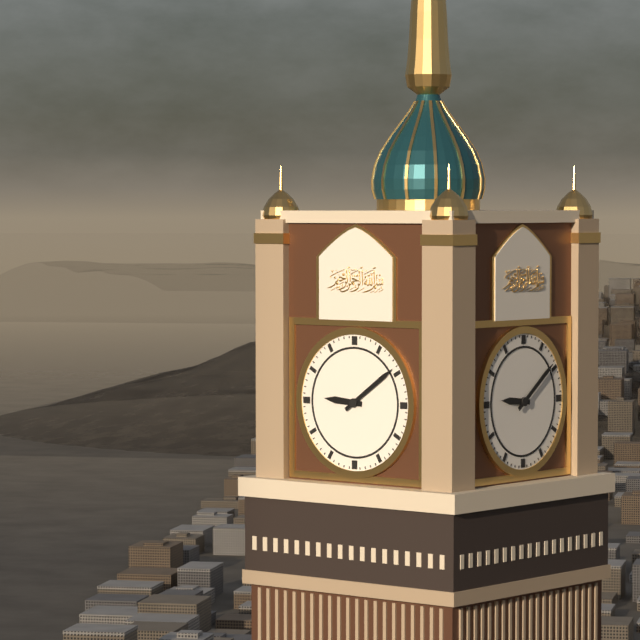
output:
9 h 09 min
